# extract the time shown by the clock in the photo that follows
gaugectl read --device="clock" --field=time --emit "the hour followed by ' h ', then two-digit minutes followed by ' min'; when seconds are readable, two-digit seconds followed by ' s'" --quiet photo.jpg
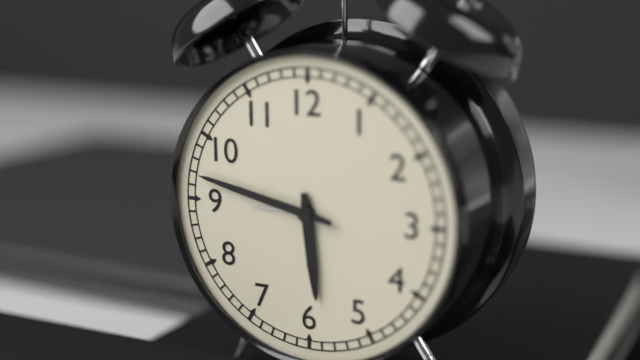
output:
5 h 47 min
